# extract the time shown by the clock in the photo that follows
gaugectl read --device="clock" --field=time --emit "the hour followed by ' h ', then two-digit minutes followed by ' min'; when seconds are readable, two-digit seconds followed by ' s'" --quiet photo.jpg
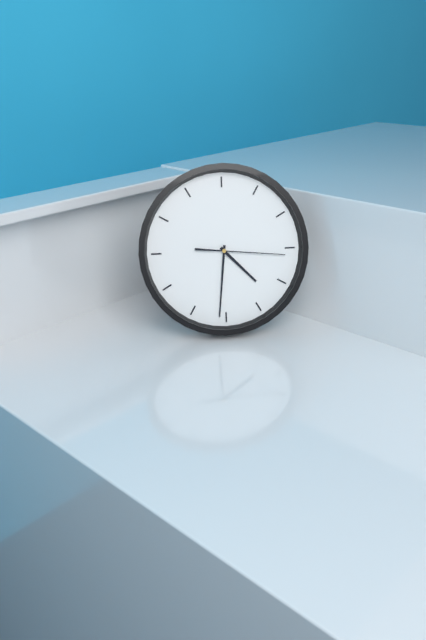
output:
4 h 31 min 16 s
